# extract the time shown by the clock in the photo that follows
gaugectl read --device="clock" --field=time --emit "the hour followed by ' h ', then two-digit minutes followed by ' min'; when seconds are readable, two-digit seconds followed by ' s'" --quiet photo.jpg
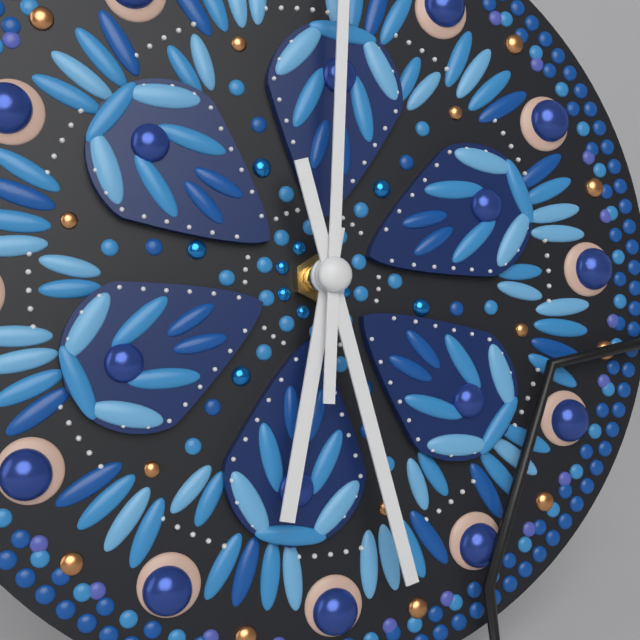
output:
6 h 28 min
